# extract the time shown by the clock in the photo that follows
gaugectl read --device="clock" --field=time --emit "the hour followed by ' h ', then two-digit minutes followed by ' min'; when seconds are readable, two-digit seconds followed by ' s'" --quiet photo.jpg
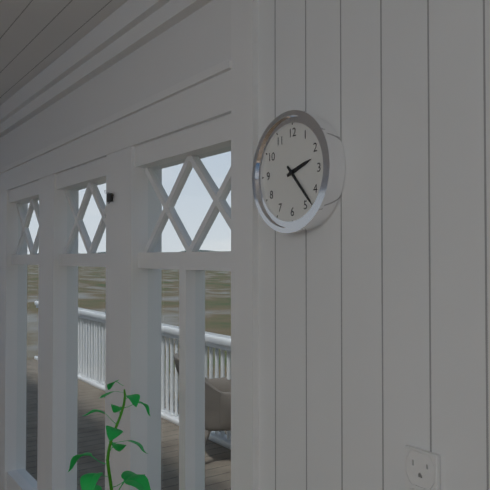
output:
2 h 23 min
